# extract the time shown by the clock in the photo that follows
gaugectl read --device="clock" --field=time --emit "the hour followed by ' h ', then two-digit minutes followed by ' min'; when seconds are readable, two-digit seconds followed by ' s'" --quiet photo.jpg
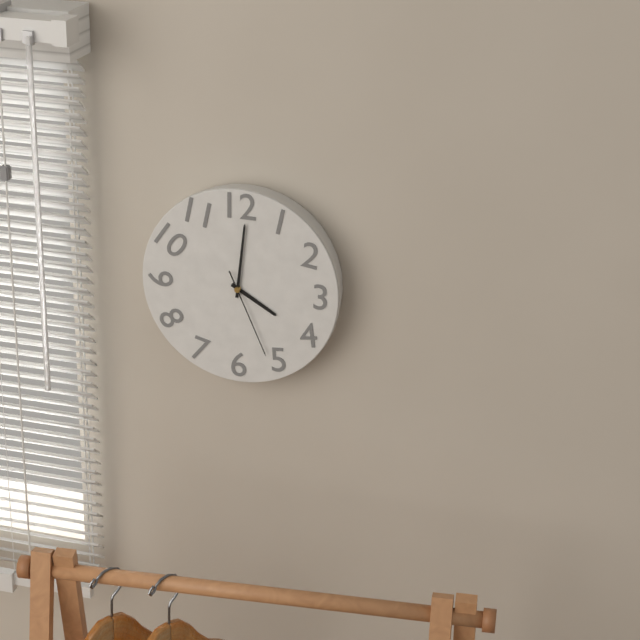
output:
4 h 01 min 26 s
